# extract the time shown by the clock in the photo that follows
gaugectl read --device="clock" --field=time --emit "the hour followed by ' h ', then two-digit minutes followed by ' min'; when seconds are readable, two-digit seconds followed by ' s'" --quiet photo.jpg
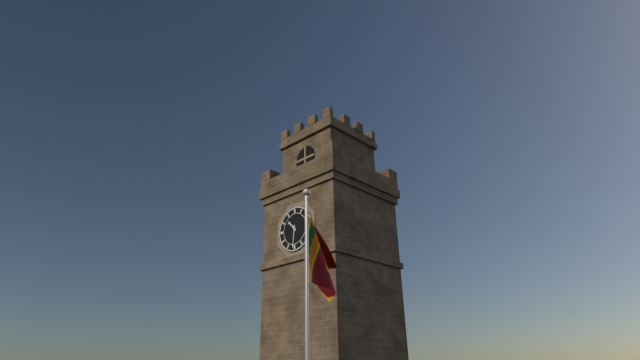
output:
10 h 31 min
